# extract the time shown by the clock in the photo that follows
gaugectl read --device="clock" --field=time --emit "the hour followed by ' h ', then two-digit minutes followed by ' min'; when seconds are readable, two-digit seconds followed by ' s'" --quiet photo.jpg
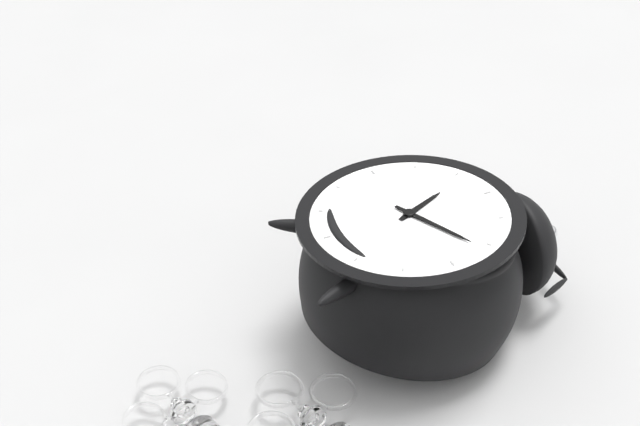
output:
11 h 11 min
